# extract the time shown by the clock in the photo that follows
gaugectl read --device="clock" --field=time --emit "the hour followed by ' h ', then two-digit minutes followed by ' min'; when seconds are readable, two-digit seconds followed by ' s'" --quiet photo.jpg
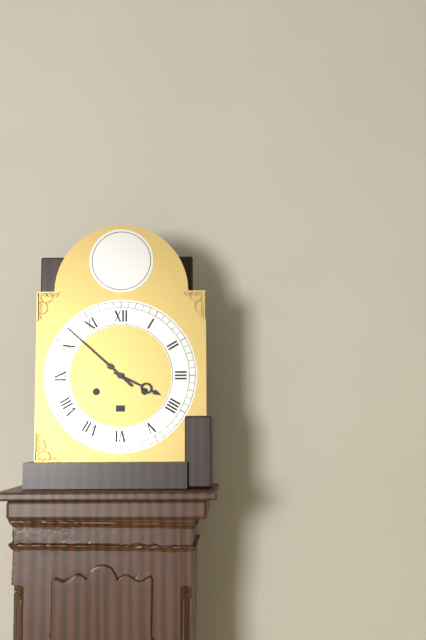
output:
3 h 52 min
